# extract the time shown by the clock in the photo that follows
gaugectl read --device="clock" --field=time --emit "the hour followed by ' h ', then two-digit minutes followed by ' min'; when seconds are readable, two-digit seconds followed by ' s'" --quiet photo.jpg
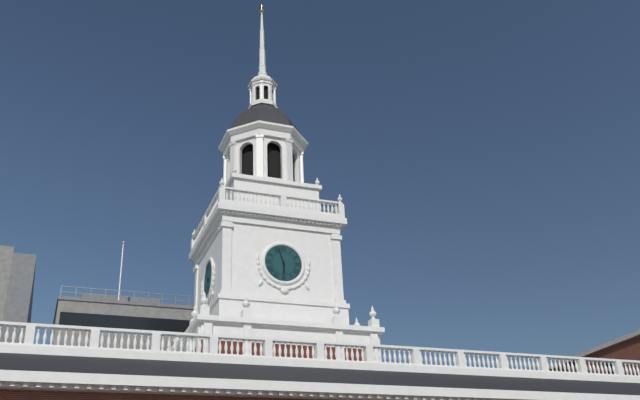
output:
5 h 57 min
